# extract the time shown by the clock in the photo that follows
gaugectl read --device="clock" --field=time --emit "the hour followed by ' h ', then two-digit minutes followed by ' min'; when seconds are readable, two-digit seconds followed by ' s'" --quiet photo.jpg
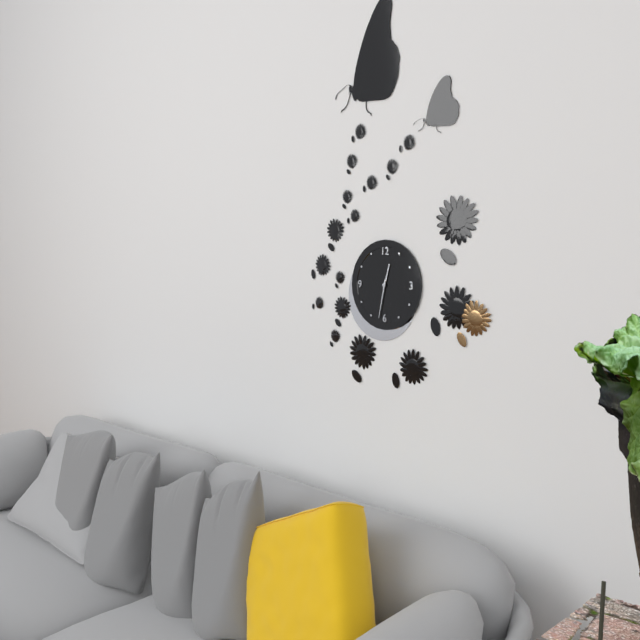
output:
12 h 32 min
